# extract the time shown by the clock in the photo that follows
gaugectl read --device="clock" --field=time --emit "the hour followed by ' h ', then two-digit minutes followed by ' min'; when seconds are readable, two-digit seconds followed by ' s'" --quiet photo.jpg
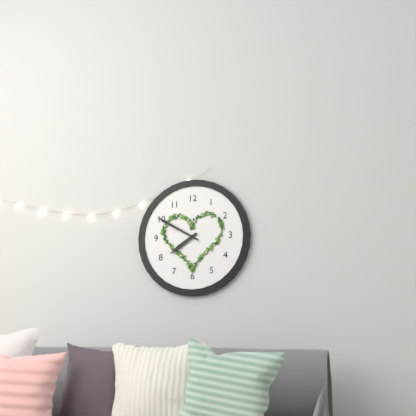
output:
7 h 50 min
